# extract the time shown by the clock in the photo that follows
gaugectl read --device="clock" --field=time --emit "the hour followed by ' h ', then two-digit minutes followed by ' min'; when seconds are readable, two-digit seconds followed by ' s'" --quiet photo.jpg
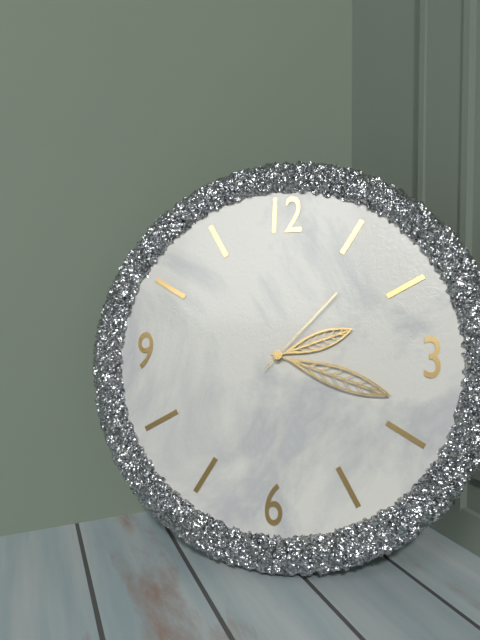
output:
2 h 18 min 07 s
